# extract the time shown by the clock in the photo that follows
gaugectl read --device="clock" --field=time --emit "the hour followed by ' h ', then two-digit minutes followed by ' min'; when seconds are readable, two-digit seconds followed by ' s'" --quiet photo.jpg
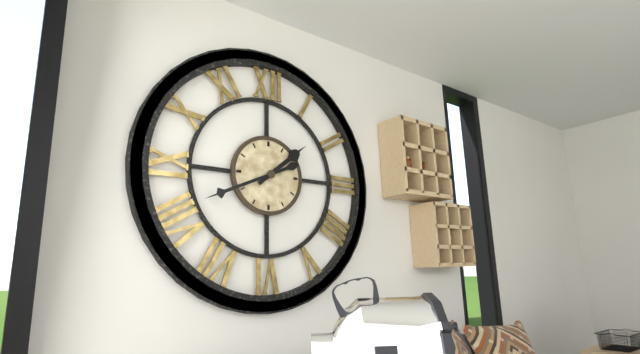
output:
1 h 41 min
